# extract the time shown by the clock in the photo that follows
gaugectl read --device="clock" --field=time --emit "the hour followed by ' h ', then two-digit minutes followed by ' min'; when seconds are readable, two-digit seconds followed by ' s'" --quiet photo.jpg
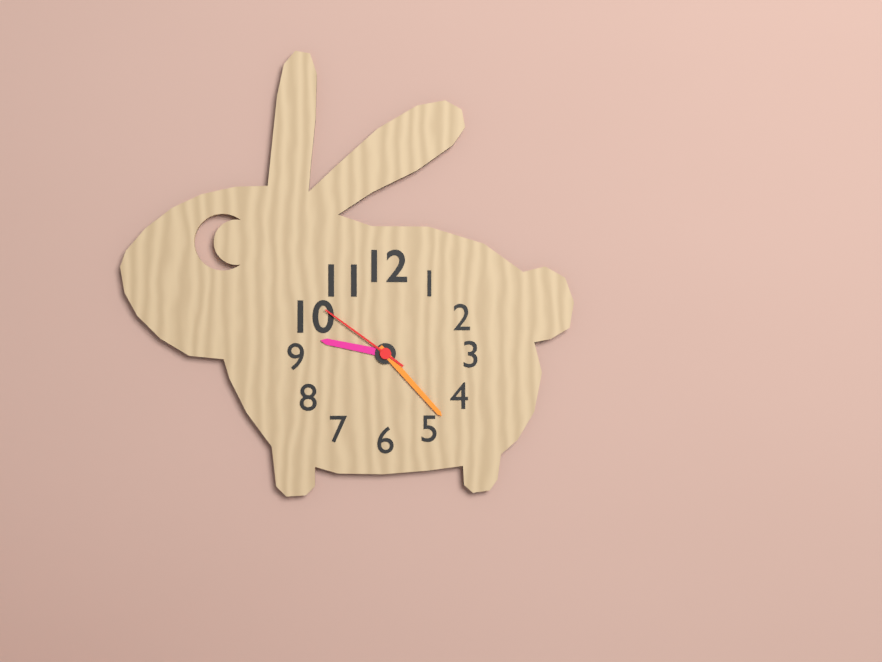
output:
9 h 23 min 51 s
